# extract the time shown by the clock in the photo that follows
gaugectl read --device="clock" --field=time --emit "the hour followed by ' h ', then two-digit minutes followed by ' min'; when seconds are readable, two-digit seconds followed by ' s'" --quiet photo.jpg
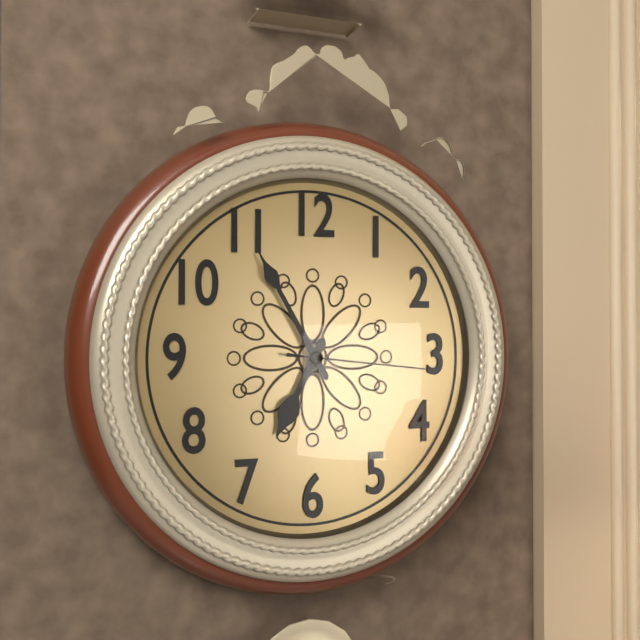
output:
6 h 55 min 16 s
